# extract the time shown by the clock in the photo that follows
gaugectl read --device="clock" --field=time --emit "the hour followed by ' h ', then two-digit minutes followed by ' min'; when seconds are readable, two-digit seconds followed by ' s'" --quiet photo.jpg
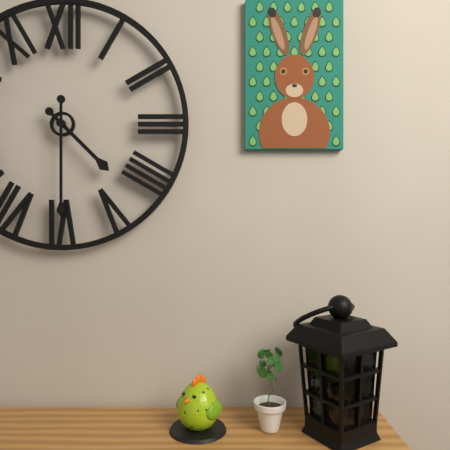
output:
4 h 30 min
